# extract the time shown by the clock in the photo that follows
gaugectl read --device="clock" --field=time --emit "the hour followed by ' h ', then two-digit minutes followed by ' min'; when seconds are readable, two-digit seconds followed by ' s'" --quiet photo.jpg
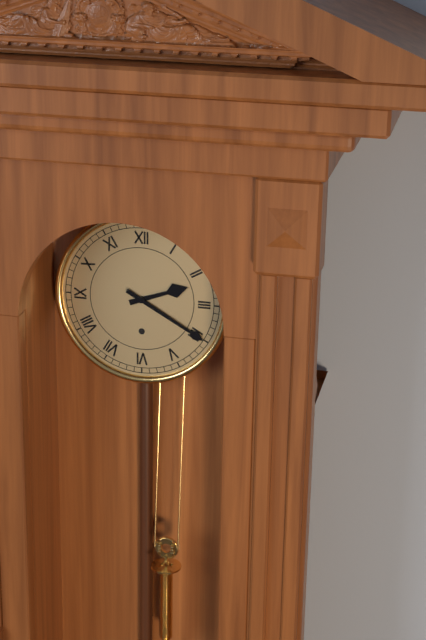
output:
2 h 20 min
